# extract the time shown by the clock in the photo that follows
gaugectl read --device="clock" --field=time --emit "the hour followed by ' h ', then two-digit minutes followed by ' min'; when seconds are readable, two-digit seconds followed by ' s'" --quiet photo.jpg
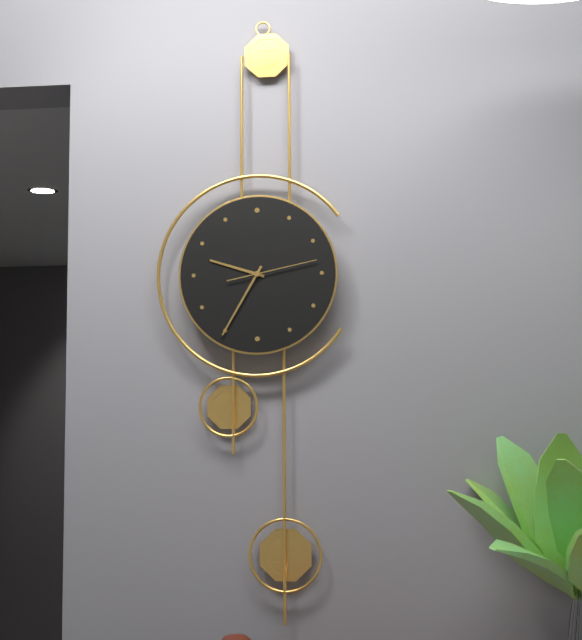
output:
9 h 35 min 13 s
